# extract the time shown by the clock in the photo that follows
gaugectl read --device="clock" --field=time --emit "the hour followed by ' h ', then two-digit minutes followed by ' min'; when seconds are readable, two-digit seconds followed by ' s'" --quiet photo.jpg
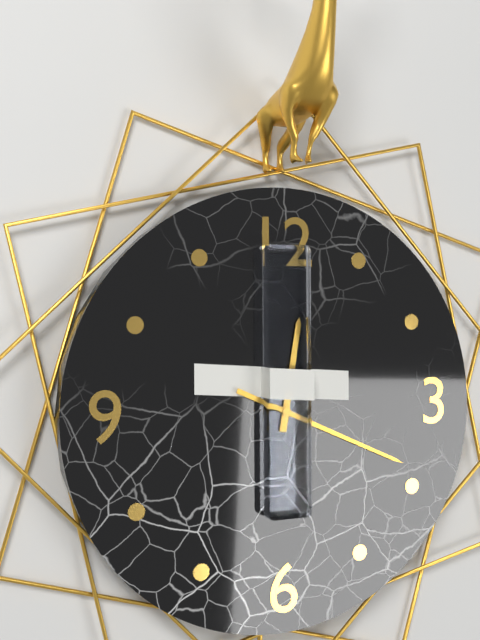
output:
12 h 19 min
